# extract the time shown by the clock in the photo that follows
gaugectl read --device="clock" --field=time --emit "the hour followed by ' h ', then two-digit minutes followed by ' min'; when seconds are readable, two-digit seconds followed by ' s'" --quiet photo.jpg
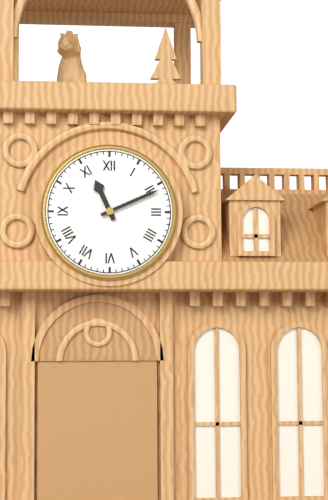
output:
11 h 11 min
